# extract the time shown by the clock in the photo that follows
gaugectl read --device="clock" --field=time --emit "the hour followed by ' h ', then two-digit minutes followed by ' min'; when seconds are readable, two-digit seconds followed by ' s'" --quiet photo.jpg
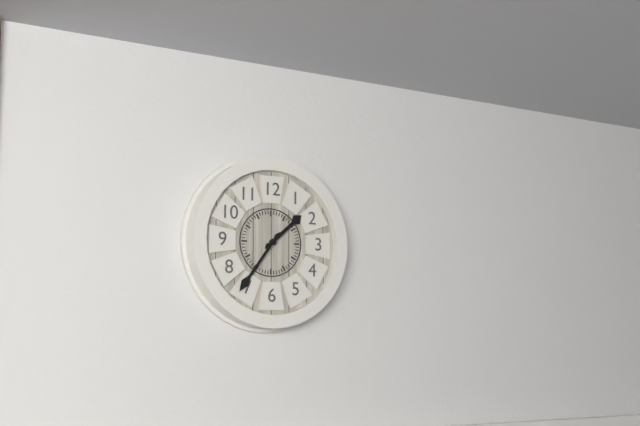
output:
1 h 36 min
